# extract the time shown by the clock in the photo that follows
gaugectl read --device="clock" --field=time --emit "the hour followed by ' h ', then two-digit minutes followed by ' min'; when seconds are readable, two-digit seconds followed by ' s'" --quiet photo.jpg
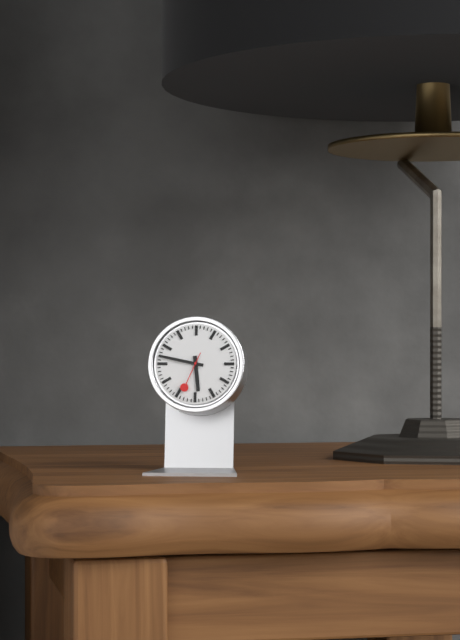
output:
5 h 47 min
